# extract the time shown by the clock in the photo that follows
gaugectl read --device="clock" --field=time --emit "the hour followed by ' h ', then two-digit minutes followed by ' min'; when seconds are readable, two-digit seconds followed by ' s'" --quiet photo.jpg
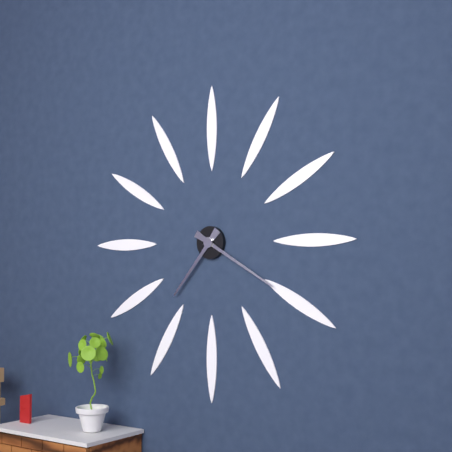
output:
7 h 20 min
